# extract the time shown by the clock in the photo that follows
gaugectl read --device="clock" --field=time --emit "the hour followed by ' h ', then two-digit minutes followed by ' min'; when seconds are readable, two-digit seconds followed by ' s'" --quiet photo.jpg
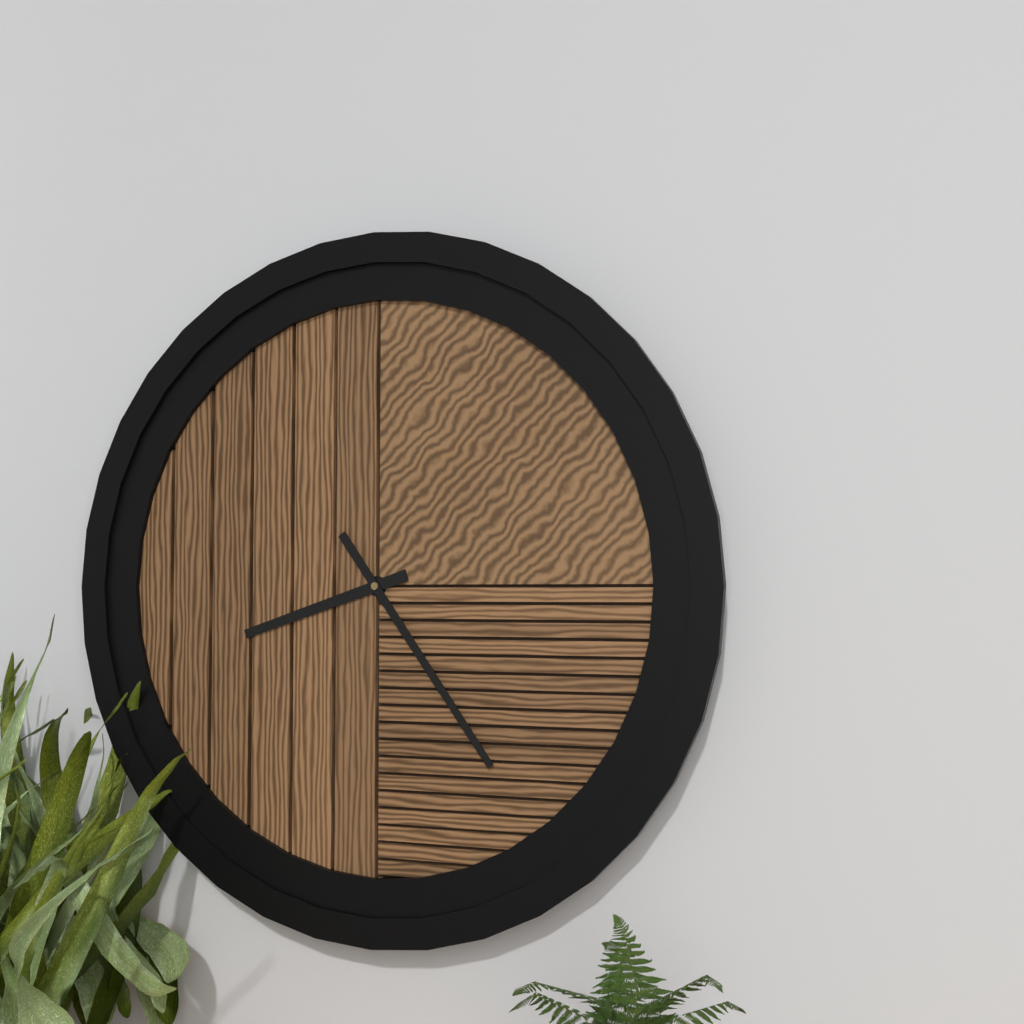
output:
8 h 24 min
